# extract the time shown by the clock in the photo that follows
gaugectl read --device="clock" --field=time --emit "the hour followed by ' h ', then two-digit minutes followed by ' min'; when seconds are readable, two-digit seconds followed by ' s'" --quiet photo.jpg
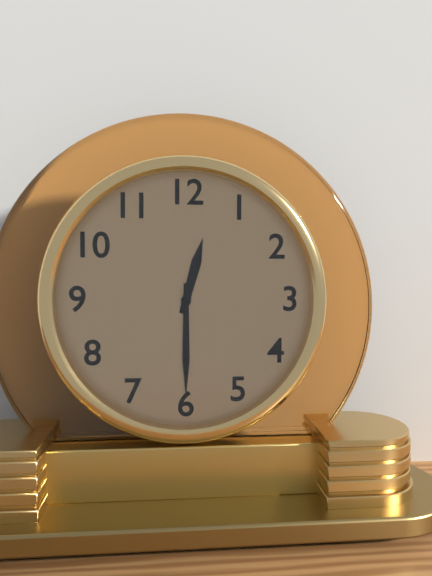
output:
12 h 30 min
